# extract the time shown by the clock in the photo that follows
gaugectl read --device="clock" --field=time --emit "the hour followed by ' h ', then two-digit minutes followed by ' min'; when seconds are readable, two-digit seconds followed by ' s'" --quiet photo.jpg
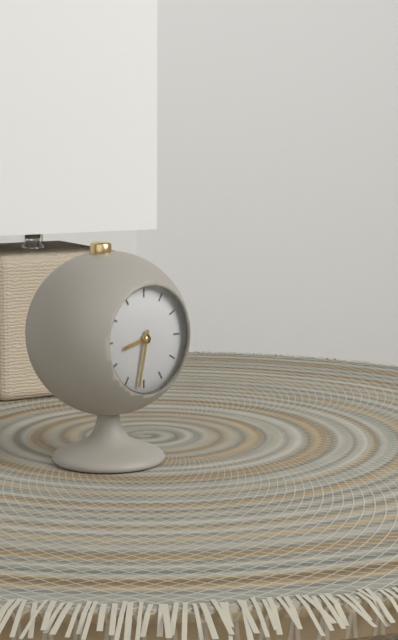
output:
8 h 32 min
